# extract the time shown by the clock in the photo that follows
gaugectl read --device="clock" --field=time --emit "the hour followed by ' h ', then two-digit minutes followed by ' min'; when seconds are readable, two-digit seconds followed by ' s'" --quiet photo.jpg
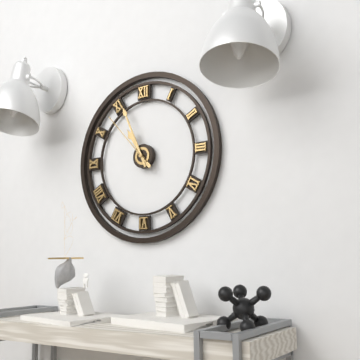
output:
10 h 56 min 53 s
